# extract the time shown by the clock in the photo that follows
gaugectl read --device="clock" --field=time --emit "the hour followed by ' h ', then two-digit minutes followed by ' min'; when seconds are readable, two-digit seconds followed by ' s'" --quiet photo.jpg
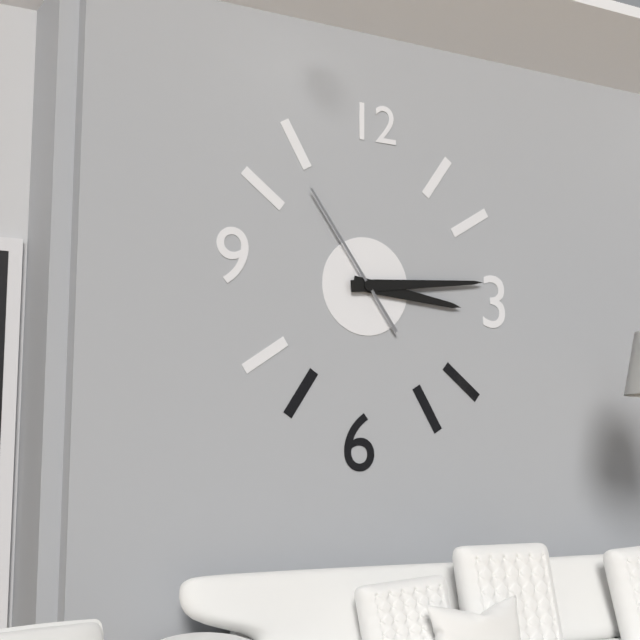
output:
3 h 14 min 54 s
